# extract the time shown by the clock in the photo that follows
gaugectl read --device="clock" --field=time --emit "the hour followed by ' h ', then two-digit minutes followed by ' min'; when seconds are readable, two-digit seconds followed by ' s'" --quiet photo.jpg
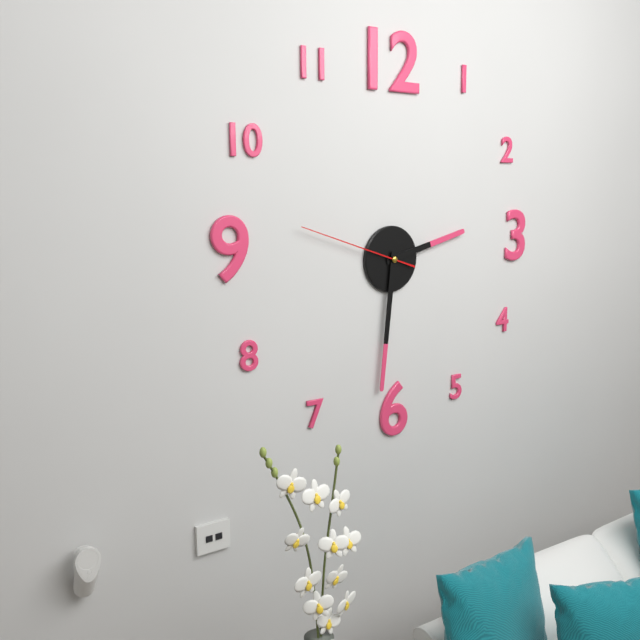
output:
2 h 31 min 48 s
